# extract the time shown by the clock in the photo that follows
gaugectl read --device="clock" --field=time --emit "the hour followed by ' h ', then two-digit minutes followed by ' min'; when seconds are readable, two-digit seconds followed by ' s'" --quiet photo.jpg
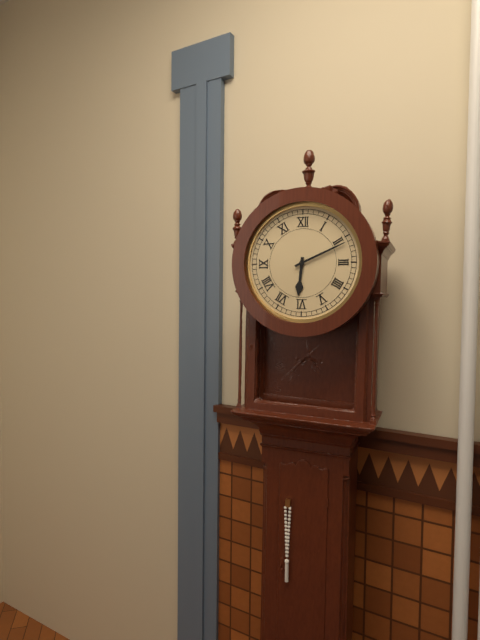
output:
6 h 11 min
